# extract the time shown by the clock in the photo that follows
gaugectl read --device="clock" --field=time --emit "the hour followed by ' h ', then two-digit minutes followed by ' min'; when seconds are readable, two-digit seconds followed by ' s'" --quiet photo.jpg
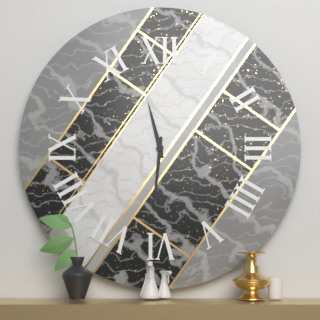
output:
11 h 31 min
